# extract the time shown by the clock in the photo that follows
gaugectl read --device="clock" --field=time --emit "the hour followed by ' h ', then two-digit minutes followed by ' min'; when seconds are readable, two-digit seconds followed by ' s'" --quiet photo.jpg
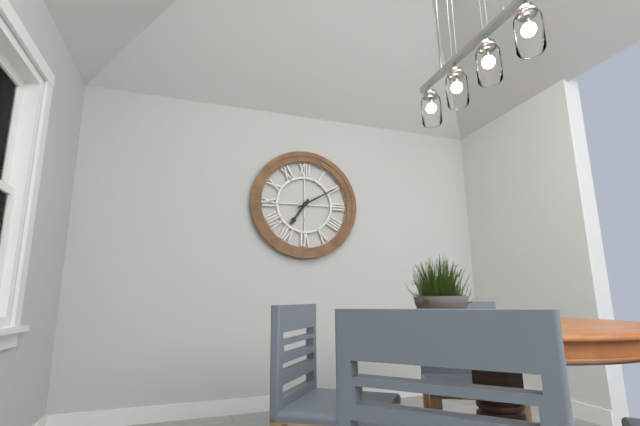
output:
7 h 10 min
